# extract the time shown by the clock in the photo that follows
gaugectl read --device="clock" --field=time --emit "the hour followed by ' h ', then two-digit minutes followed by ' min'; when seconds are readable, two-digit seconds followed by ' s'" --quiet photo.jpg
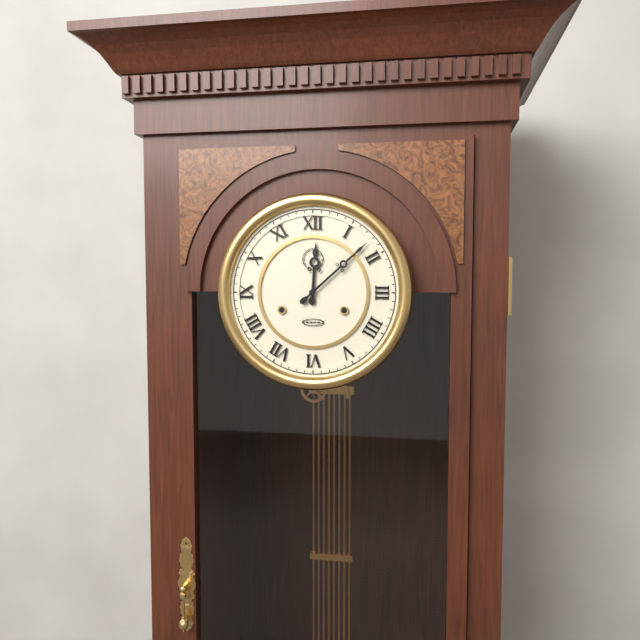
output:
12 h 08 min
